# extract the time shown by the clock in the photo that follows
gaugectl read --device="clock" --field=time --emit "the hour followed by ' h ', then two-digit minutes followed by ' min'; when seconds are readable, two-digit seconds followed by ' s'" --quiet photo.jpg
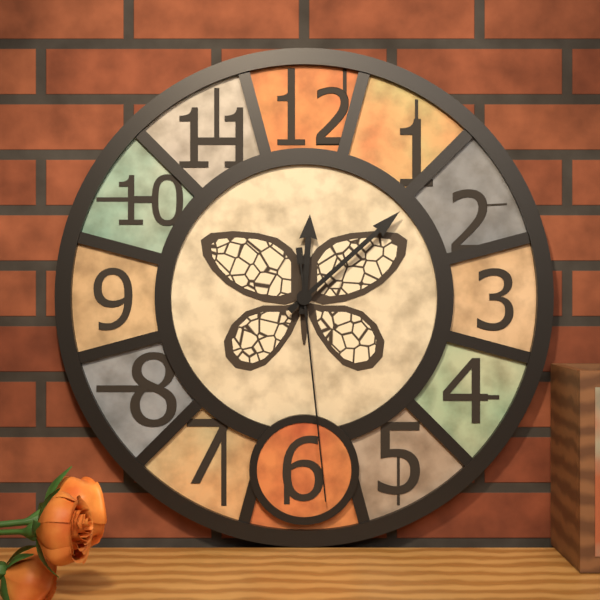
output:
12 h 08 min 29 s
